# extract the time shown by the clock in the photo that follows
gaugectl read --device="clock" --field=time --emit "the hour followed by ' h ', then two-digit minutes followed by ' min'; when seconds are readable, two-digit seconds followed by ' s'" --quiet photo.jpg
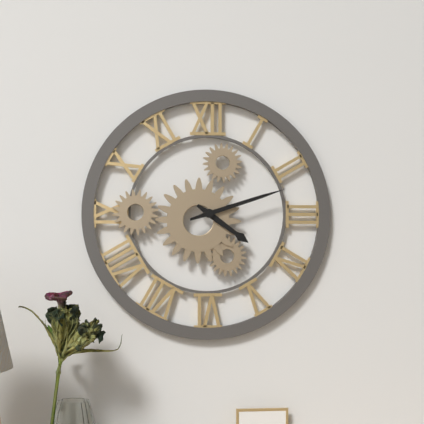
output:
4 h 12 min
